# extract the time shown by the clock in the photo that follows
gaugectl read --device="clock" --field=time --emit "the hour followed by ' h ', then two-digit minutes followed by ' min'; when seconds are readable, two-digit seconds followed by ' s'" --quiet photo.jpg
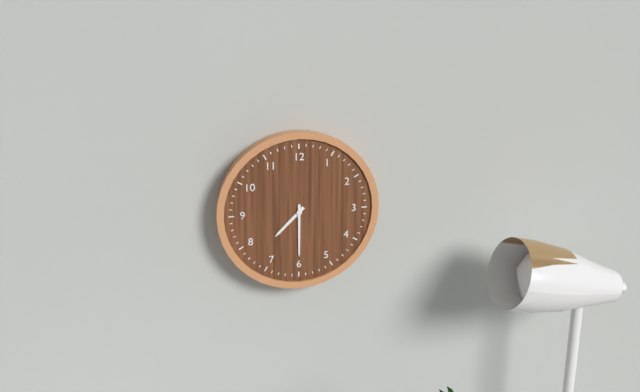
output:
7 h 30 min
